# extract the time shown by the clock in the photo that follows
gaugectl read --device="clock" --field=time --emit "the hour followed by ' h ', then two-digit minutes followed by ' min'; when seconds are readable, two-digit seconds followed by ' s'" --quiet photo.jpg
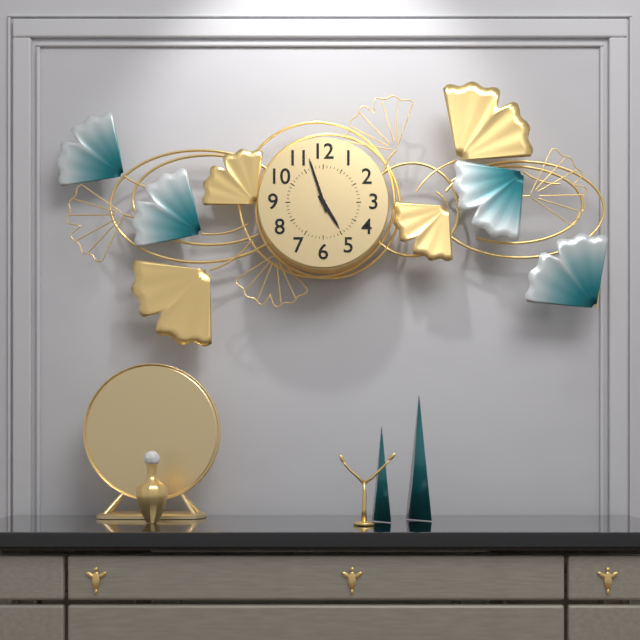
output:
4 h 57 min
